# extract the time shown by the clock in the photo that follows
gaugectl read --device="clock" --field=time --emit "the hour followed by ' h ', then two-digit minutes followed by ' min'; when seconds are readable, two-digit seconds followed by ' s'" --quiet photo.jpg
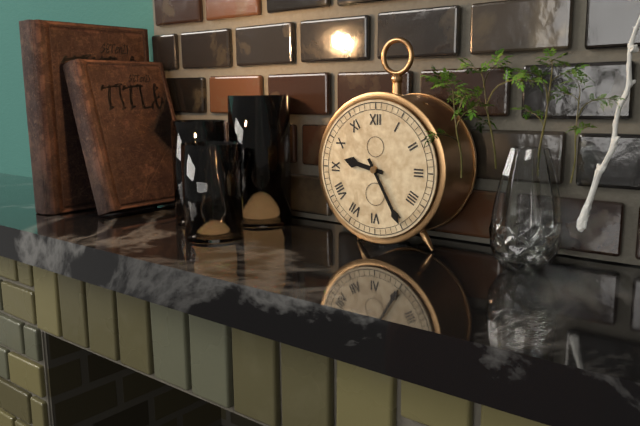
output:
9 h 25 min
